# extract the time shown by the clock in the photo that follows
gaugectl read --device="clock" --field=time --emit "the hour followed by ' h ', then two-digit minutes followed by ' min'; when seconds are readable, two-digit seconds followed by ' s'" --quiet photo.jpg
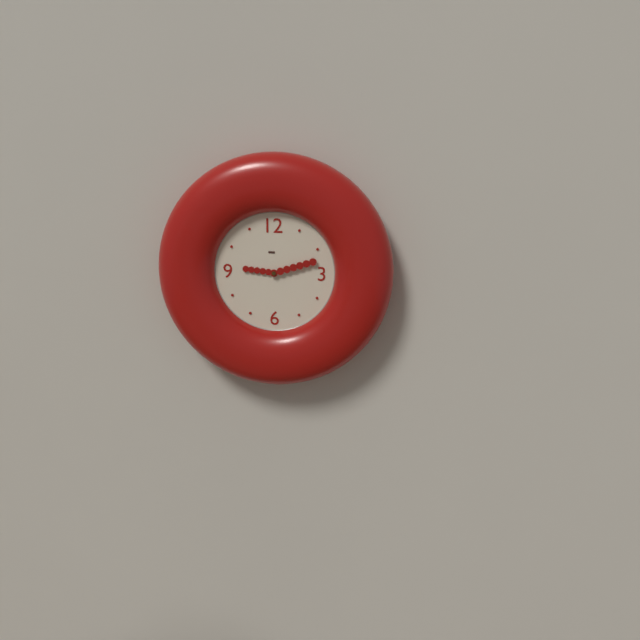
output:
9 h 12 min
